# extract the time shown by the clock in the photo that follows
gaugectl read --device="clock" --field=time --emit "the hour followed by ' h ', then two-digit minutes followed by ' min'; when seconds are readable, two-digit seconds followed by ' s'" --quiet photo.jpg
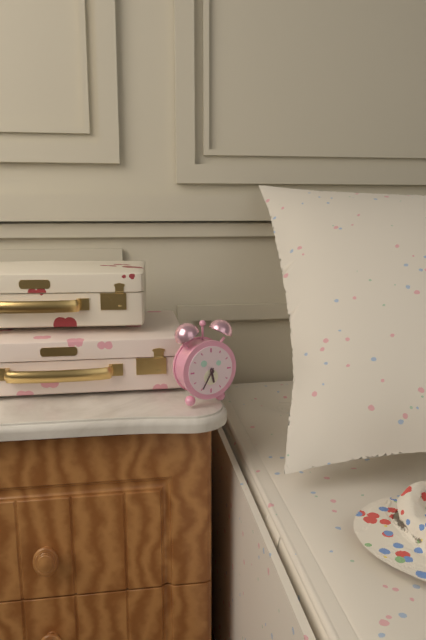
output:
5 h 35 min
